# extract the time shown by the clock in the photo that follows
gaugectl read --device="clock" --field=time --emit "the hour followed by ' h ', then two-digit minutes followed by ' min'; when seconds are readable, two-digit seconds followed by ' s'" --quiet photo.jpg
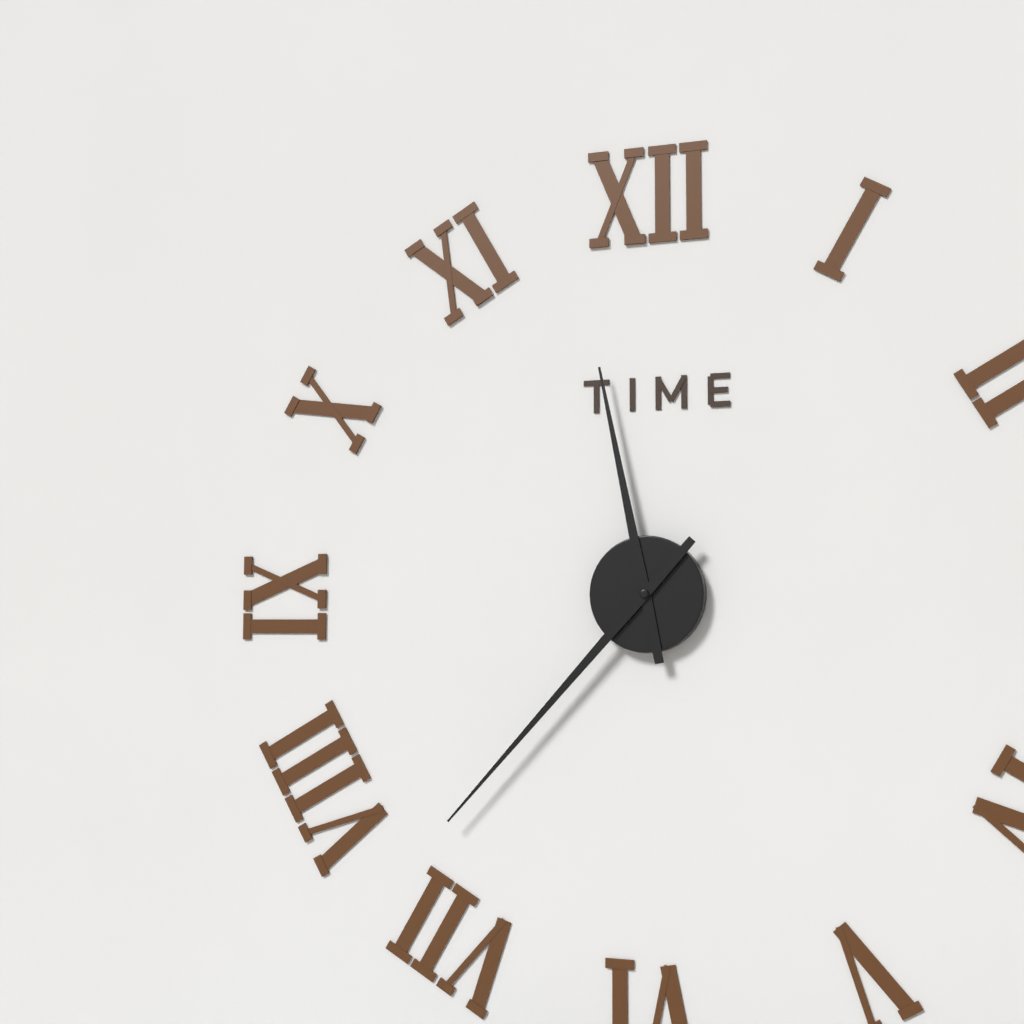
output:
11 h 37 min
